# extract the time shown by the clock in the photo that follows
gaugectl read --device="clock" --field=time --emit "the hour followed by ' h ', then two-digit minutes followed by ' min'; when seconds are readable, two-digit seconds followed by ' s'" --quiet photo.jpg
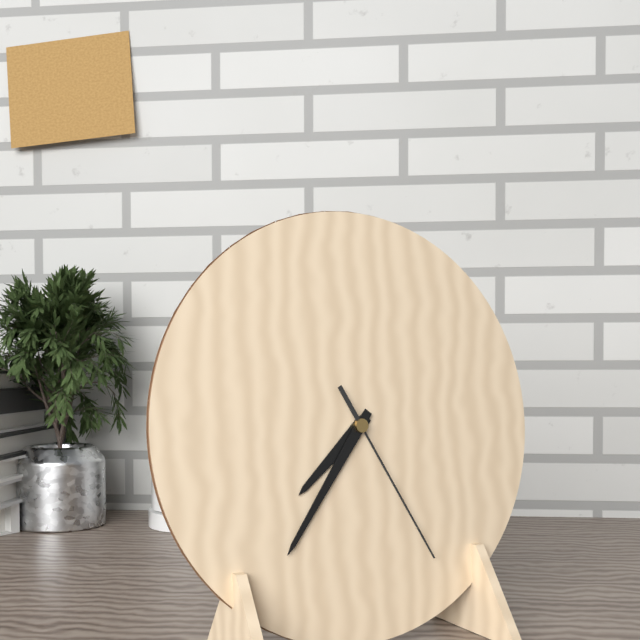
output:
7 h 36 min 25 s
